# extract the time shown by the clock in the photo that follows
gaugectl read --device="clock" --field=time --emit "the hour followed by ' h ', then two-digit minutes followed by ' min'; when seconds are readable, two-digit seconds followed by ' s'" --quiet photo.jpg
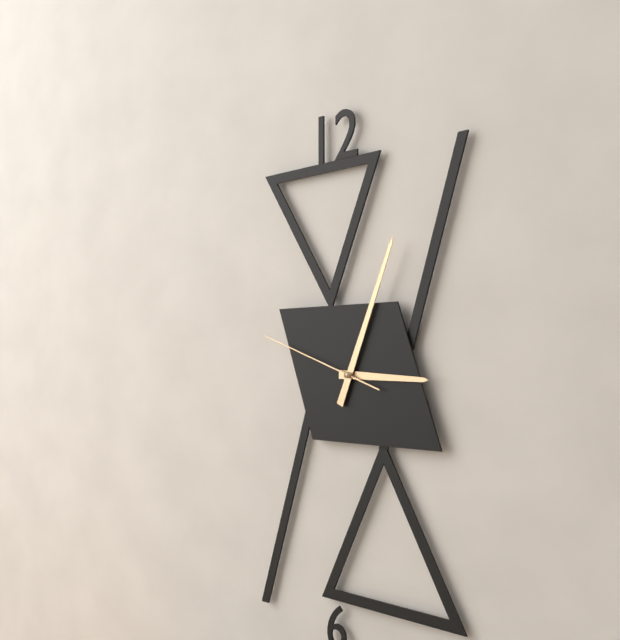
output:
3 h 04 min 48 s
